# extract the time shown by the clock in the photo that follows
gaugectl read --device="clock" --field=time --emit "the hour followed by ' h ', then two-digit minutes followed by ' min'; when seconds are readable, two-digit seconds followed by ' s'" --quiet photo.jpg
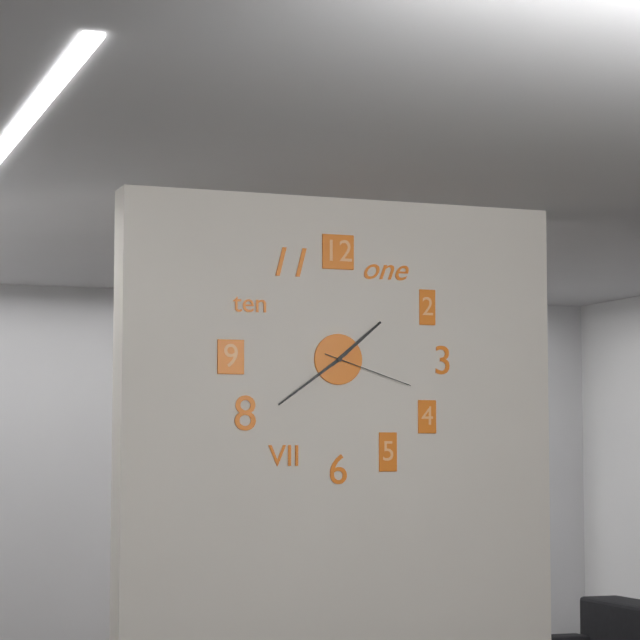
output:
1 h 39 min 18 s
